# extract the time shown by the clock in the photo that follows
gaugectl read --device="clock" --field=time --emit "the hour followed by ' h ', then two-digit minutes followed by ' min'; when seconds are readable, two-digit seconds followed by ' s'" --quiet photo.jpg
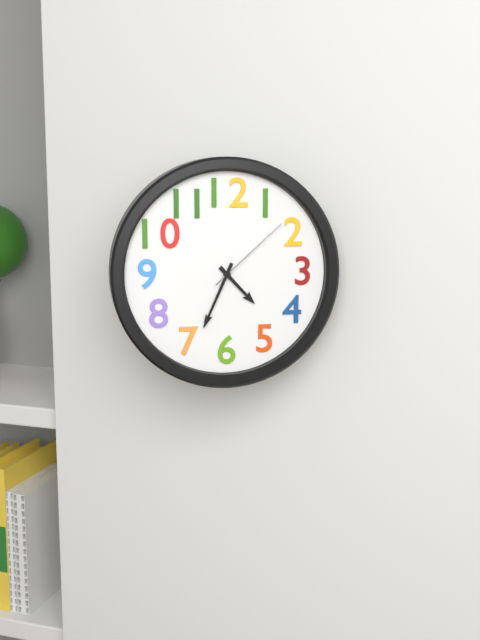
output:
4 h 34 min 08 s
